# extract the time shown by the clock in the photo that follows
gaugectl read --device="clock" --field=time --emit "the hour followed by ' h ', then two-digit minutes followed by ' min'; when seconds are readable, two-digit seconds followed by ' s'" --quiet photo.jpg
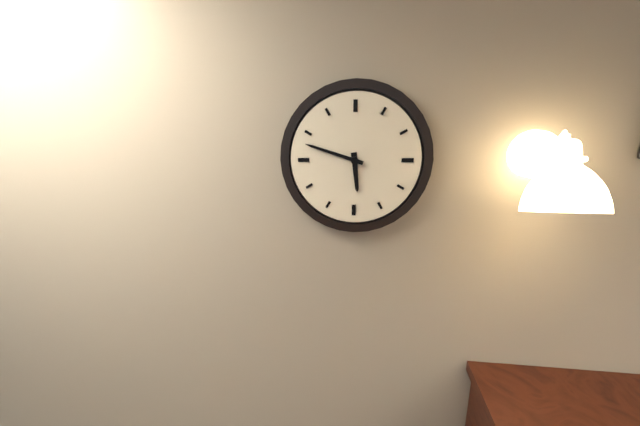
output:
5 h 48 min
